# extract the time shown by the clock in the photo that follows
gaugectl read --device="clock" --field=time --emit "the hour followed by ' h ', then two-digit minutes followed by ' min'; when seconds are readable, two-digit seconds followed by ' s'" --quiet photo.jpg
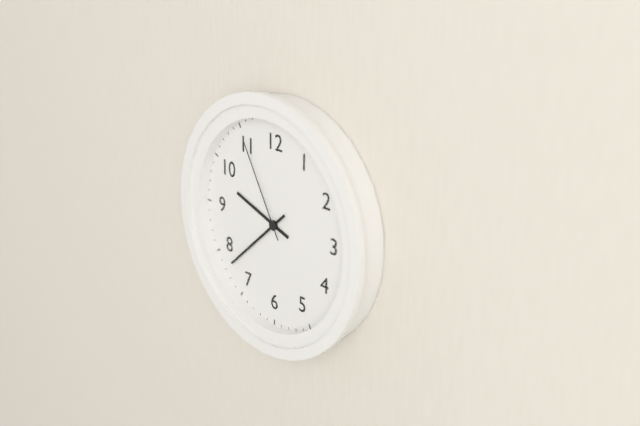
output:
9 h 38 min 55 s
